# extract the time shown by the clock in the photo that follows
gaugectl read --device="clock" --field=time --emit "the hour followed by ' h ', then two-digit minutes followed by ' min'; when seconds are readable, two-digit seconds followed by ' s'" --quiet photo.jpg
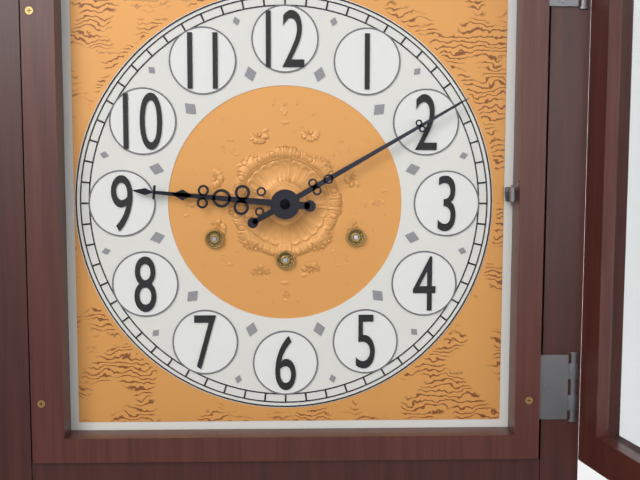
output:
9 h 10 min
